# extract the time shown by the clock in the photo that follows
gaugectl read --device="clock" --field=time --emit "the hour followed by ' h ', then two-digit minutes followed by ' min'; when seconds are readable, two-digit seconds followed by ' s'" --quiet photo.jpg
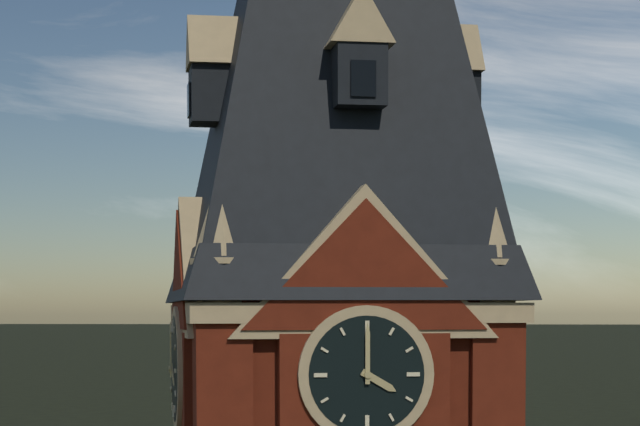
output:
4 h 00 min
